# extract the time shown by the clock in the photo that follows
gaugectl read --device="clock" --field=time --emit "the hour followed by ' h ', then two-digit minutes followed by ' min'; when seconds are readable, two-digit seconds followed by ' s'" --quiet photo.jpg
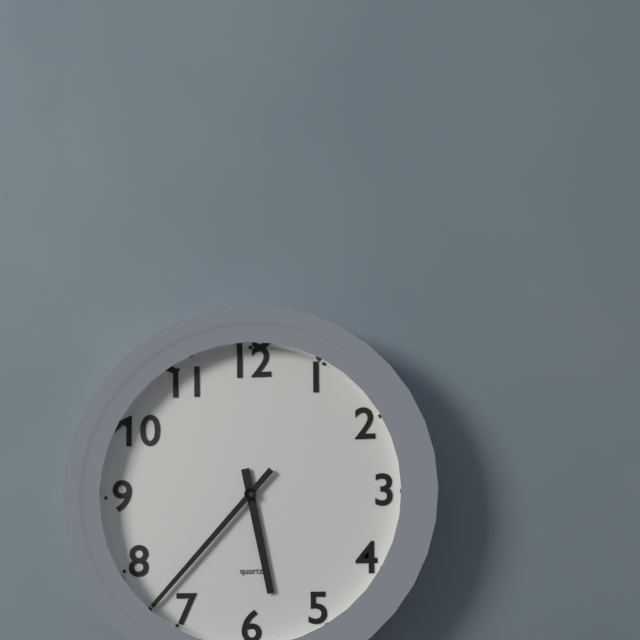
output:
5 h 37 min
